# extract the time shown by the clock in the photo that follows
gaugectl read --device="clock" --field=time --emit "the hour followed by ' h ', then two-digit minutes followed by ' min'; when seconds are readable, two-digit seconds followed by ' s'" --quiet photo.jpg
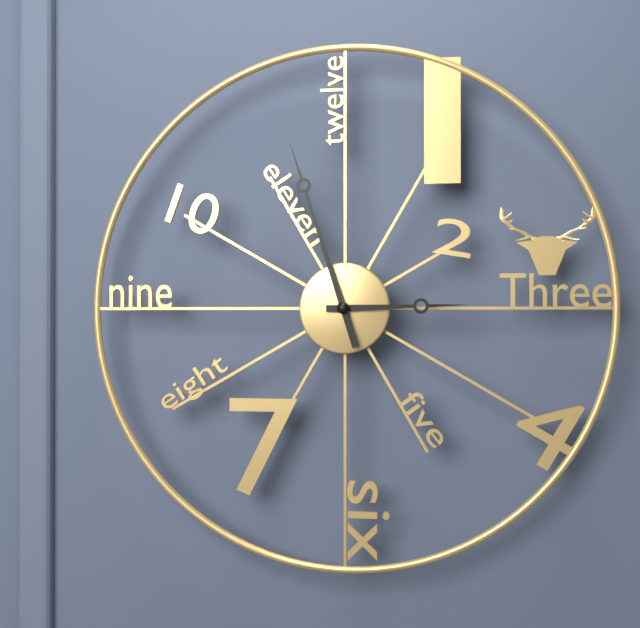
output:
2 h 57 min
